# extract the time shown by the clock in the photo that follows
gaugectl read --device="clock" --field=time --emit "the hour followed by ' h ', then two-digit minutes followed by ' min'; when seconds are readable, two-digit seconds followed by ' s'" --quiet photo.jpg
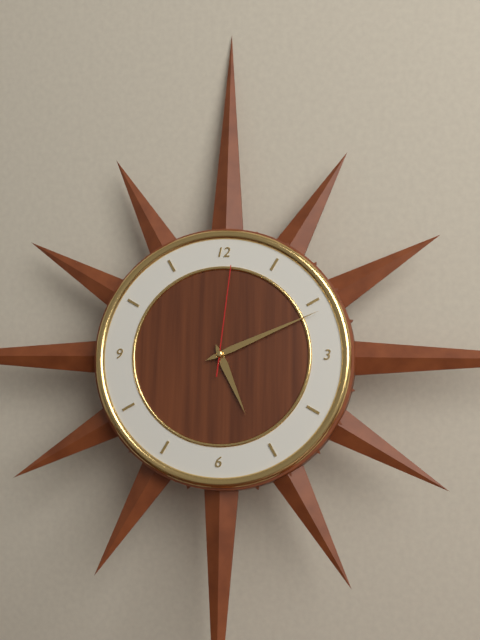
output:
5 h 11 min 01 s
